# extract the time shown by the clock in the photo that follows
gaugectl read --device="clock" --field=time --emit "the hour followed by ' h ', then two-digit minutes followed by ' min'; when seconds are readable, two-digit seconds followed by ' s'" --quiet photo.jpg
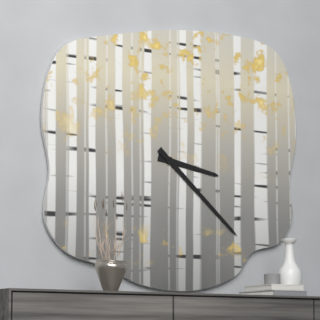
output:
3 h 22 min
